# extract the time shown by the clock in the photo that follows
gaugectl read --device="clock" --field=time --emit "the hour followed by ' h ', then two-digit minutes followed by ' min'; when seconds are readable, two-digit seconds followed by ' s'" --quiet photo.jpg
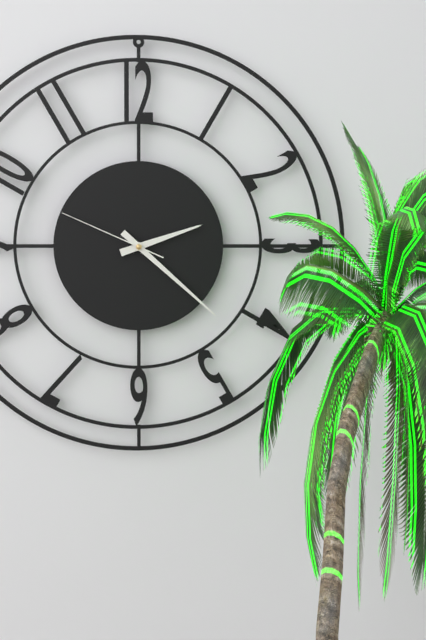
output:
2 h 22 min 49 s
